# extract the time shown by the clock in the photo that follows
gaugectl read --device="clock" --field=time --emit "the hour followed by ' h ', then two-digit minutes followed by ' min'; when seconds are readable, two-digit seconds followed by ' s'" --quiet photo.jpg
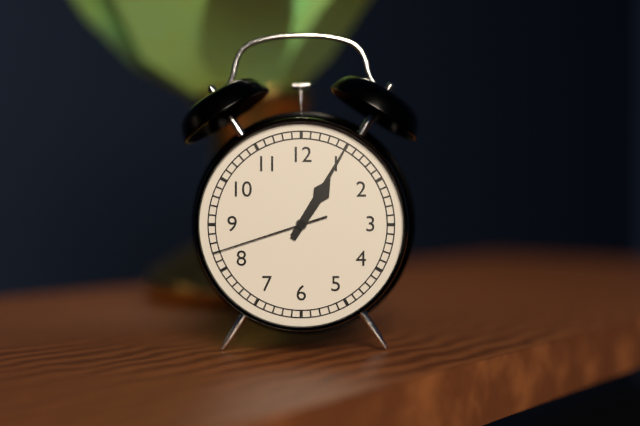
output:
1 h 05 min 42 s
